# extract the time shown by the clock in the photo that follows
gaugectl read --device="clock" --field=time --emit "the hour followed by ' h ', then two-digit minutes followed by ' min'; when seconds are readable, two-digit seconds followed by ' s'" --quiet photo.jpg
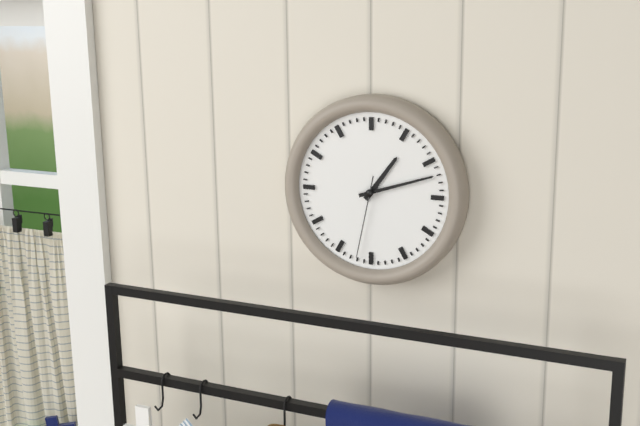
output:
1 h 12 min 32 s
